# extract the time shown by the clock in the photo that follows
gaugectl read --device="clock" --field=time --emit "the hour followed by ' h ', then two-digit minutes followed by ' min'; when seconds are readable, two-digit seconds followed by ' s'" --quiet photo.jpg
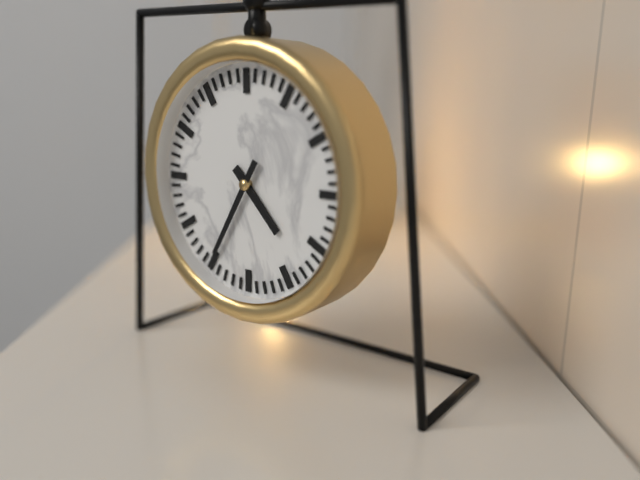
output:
4 h 35 min
